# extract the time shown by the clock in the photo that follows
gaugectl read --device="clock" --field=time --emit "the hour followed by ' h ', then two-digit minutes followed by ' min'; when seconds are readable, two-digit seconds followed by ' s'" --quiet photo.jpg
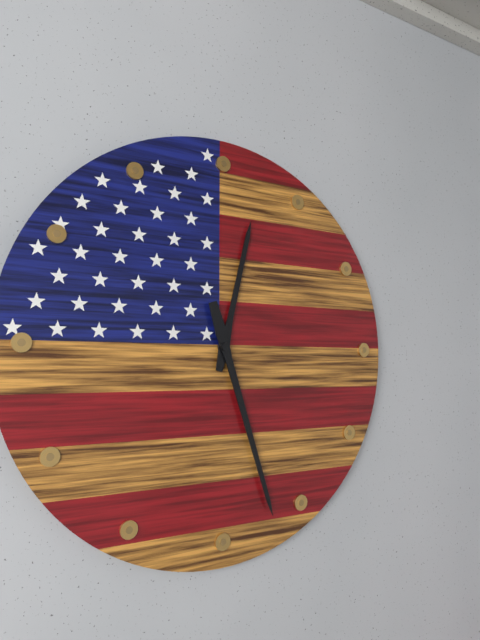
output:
12 h 27 min
